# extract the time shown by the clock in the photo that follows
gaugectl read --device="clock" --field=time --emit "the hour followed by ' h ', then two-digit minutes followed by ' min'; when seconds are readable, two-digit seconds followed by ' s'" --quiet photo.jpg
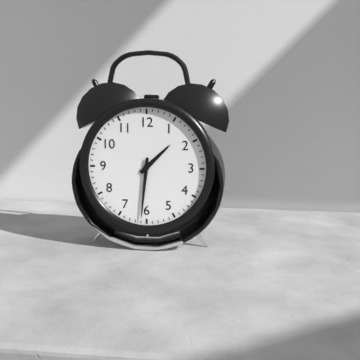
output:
1 h 31 min
